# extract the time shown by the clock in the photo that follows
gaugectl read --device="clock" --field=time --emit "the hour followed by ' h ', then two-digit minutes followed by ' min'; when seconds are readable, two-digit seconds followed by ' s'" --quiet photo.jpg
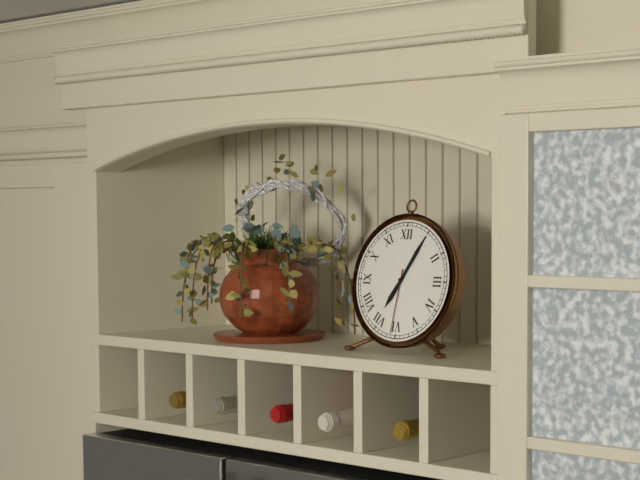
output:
7 h 05 min 31 s
